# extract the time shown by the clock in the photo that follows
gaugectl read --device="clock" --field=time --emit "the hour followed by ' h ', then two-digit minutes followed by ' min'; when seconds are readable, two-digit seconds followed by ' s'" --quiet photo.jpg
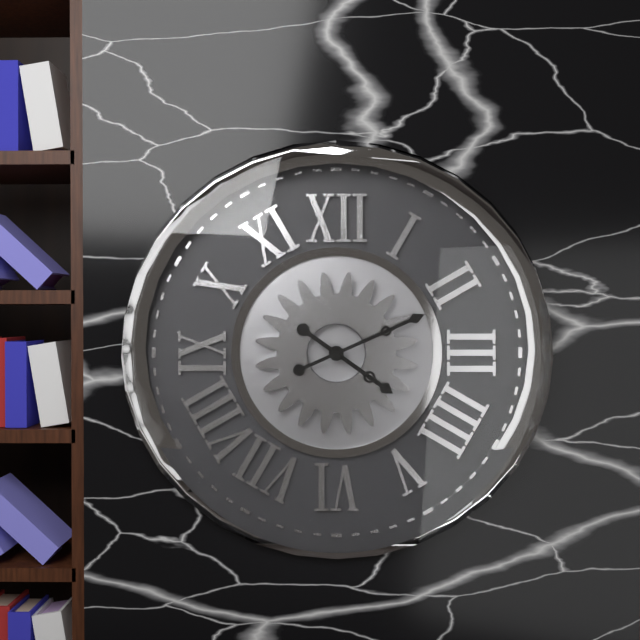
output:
4 h 11 min
